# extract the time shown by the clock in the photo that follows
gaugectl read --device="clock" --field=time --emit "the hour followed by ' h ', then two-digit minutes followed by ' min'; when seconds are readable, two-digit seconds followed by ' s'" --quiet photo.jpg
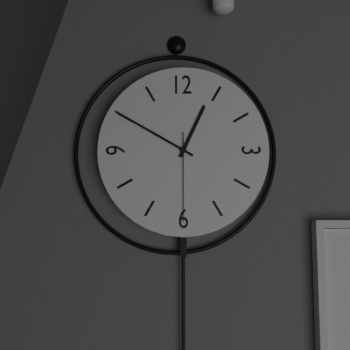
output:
12 h 50 min 30 s
